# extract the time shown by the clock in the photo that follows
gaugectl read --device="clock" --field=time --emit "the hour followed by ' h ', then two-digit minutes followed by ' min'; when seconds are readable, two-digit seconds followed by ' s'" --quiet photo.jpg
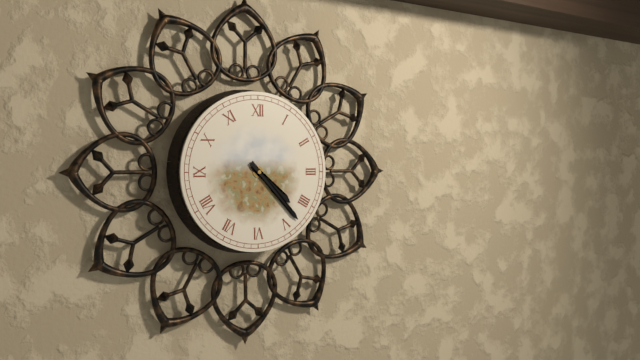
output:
4 h 23 min
